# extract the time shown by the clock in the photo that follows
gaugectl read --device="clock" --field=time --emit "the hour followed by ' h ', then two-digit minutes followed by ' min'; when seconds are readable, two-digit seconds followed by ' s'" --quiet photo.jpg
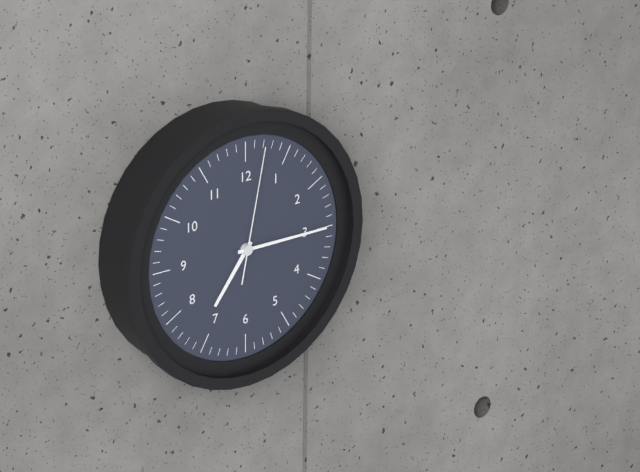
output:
7 h 15 min 02 s
